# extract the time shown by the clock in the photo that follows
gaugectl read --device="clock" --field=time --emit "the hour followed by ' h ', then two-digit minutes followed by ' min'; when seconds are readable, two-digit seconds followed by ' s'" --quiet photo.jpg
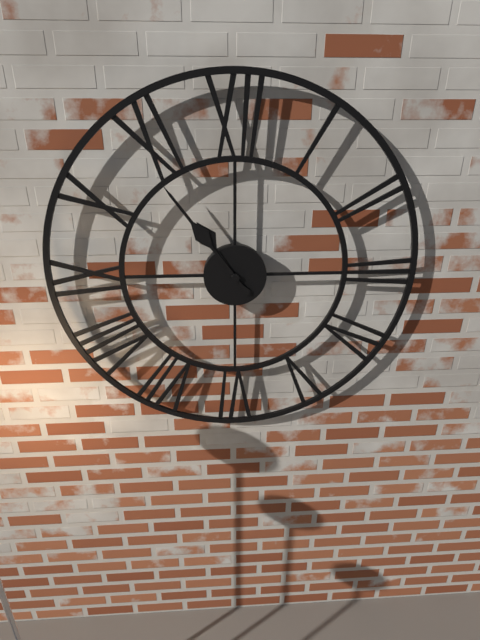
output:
10 h 54 min
